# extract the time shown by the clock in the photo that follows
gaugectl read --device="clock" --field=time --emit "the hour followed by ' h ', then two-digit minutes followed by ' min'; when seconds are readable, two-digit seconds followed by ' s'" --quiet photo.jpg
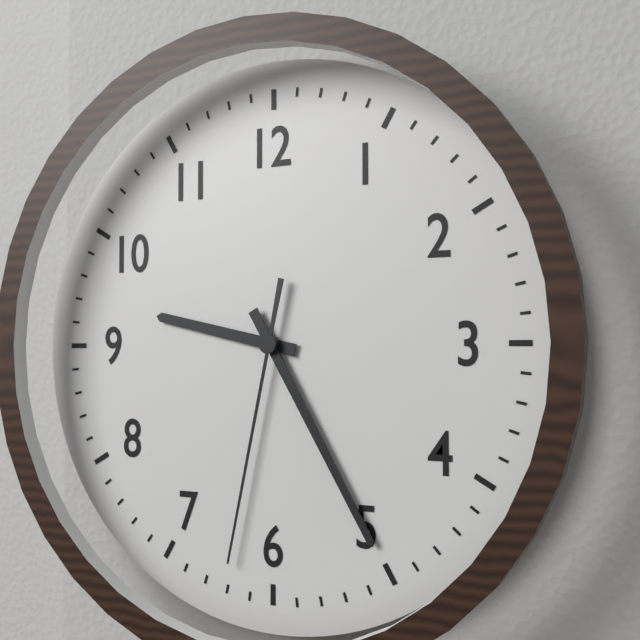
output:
9 h 25 min 32 s
